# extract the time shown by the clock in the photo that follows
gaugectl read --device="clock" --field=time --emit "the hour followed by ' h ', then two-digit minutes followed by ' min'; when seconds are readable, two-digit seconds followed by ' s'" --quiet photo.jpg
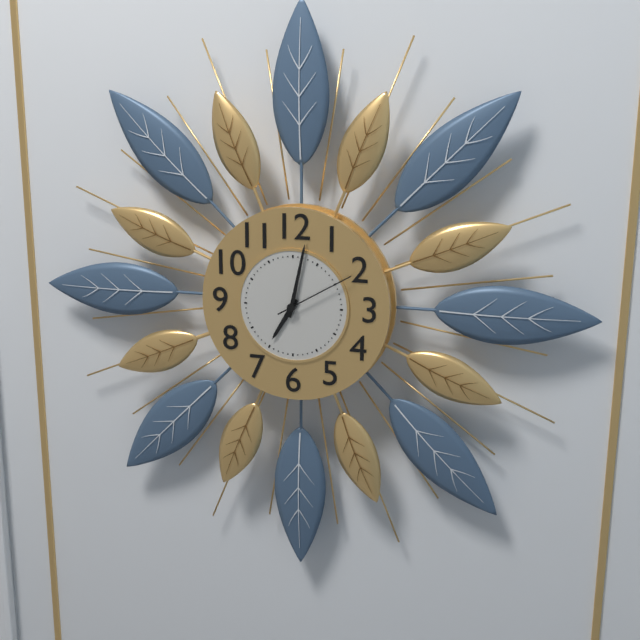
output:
7 h 02 min 10 s
